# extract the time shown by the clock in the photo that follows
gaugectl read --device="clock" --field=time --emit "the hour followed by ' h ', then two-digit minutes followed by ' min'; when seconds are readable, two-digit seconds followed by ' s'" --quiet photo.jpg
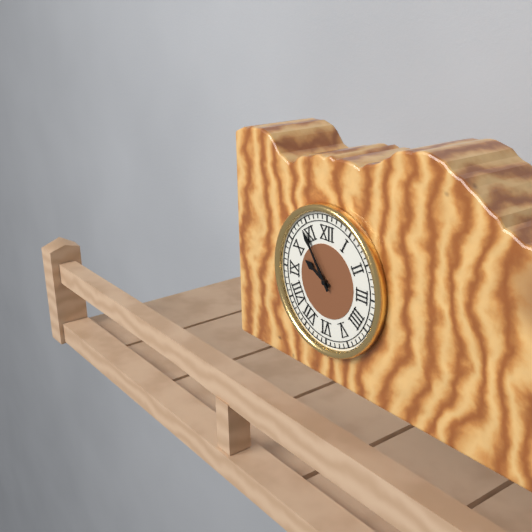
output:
9 h 54 min
